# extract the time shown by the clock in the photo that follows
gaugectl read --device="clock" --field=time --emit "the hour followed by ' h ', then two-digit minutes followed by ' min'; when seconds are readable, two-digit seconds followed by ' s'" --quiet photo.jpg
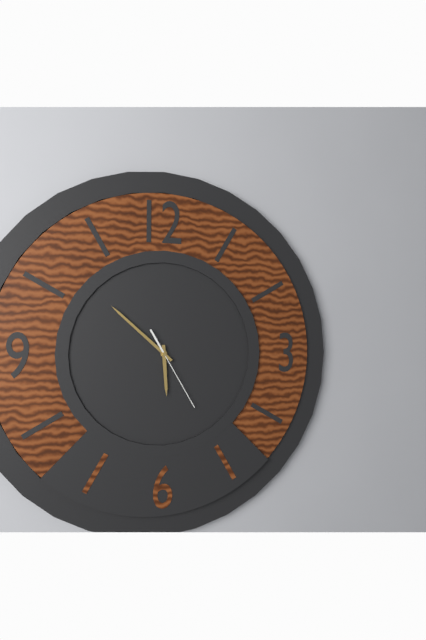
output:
5 h 52 min 25 s
